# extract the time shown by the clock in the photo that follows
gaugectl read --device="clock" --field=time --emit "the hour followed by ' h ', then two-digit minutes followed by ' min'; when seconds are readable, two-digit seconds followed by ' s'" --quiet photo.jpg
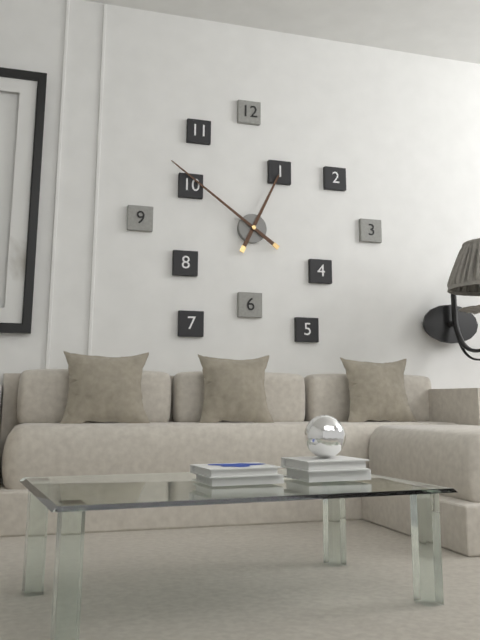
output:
12 h 51 min
